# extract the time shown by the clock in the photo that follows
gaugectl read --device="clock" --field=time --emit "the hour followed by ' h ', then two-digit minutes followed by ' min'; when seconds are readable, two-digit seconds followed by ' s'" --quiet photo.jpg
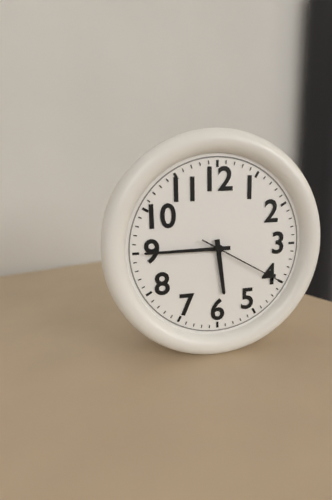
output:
5 h 45 min 20 s
